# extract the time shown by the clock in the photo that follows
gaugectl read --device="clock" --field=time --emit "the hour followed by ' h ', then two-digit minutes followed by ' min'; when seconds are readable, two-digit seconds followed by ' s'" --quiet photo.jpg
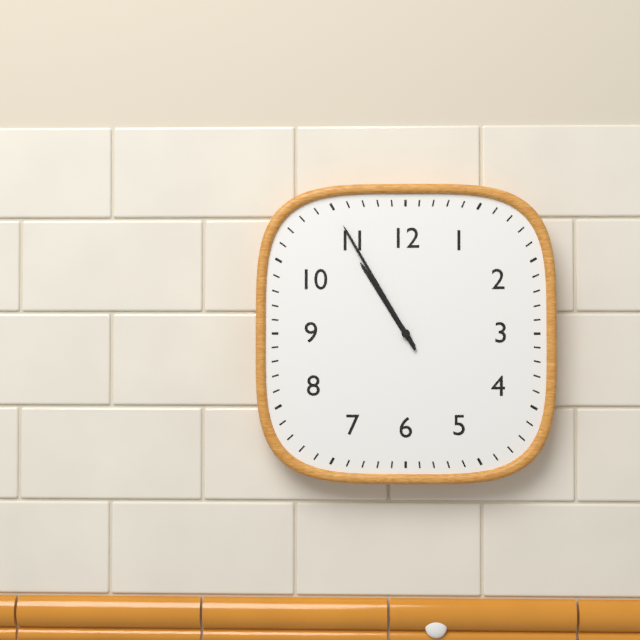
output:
10 h 55 min
